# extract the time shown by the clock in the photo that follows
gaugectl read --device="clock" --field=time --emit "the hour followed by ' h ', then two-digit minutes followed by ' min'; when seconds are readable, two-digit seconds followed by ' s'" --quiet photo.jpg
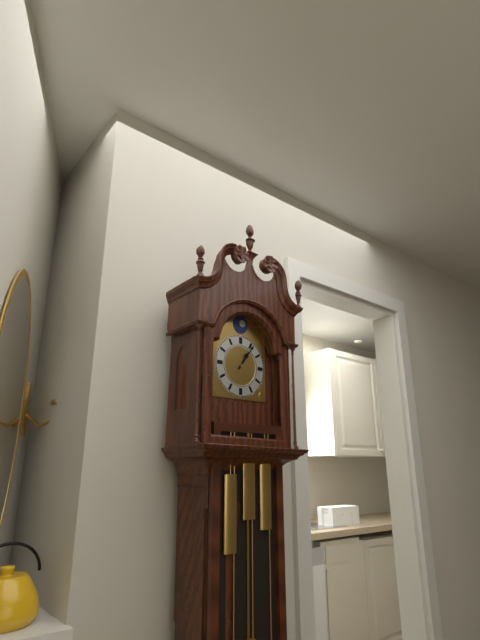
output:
1 h 06 min
